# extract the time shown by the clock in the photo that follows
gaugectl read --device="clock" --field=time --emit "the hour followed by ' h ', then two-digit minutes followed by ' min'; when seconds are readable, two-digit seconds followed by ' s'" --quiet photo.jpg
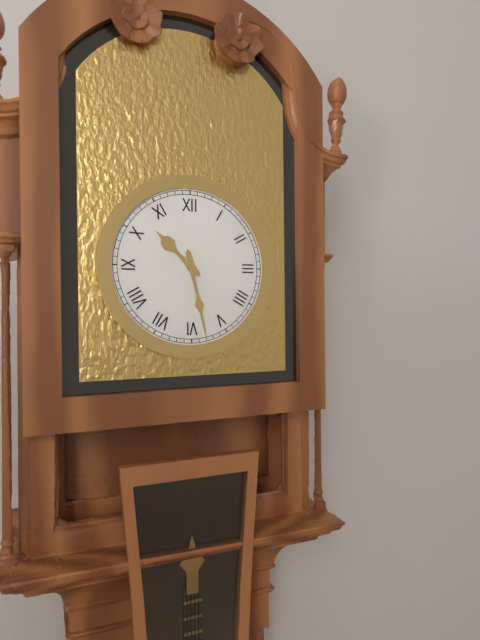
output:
10 h 28 min
